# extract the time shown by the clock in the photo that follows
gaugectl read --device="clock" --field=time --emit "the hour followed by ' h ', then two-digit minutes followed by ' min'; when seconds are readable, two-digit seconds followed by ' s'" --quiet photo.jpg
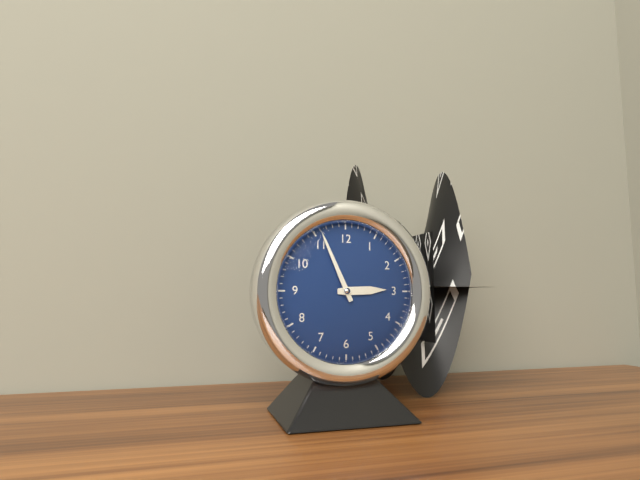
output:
2 h 56 min
